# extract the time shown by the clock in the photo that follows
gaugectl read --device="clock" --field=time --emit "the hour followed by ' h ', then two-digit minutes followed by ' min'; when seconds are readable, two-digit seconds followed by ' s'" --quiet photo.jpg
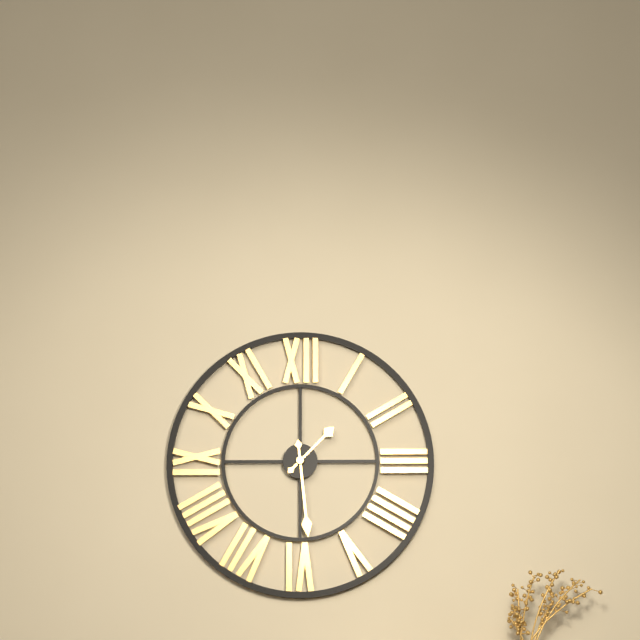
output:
1 h 29 min
